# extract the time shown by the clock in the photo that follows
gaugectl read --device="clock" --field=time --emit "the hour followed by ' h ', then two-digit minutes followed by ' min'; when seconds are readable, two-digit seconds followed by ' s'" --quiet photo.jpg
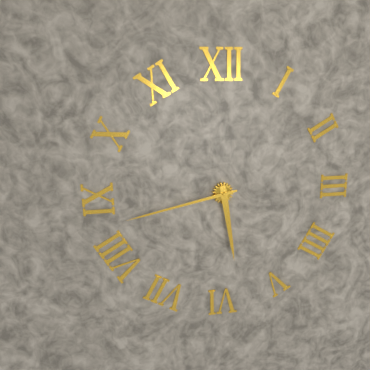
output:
5 h 43 min
